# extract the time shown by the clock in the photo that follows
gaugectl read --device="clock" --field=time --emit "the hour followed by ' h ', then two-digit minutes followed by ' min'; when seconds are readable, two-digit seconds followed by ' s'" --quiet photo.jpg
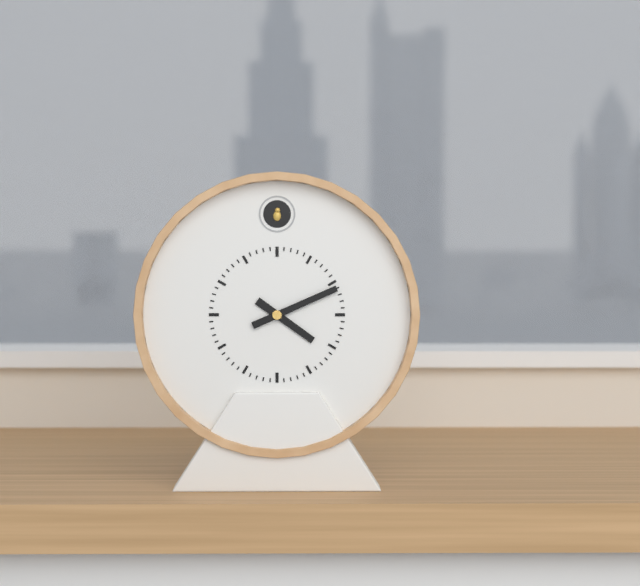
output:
4 h 11 min
